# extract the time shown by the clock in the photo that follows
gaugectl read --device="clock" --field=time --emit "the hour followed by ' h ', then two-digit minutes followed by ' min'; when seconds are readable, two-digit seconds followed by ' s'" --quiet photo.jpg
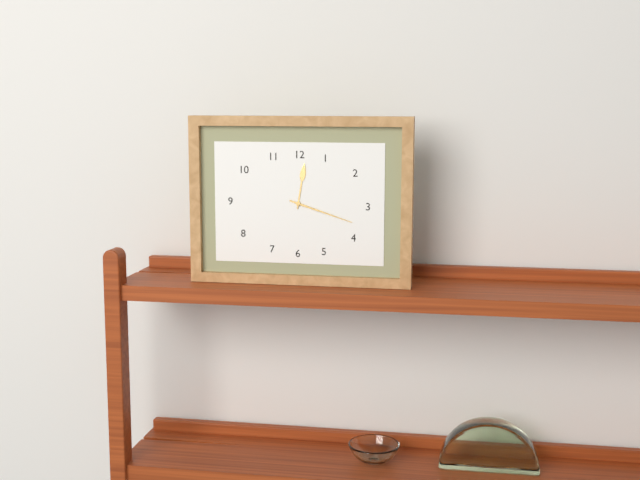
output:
12 h 18 min
